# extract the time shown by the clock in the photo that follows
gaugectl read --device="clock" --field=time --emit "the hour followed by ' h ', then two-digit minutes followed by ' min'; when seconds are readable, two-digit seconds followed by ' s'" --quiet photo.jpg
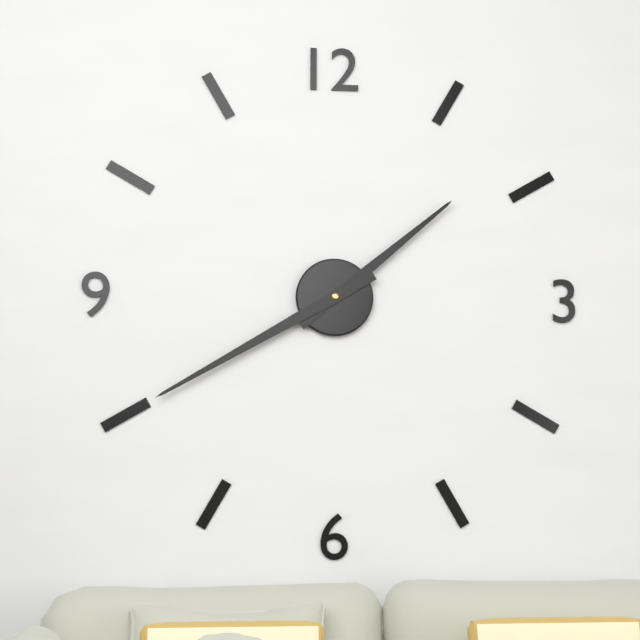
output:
1 h 40 min
